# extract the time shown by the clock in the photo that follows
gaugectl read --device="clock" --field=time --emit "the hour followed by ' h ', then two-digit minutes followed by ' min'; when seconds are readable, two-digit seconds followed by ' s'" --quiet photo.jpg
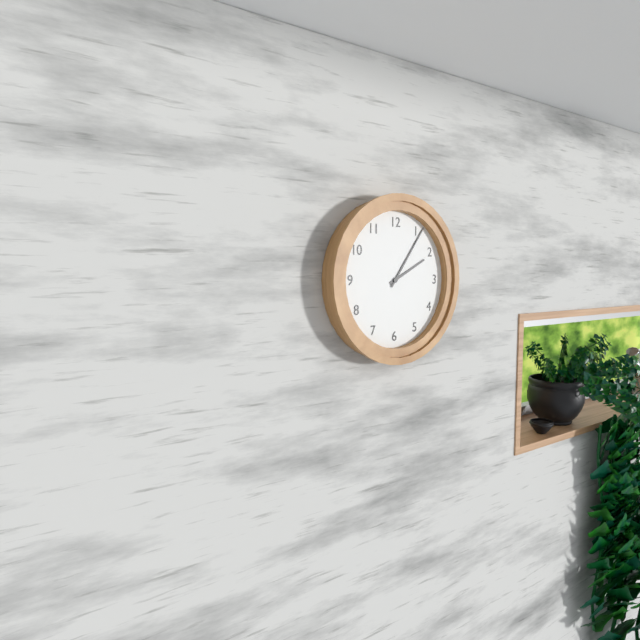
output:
2 h 06 min
